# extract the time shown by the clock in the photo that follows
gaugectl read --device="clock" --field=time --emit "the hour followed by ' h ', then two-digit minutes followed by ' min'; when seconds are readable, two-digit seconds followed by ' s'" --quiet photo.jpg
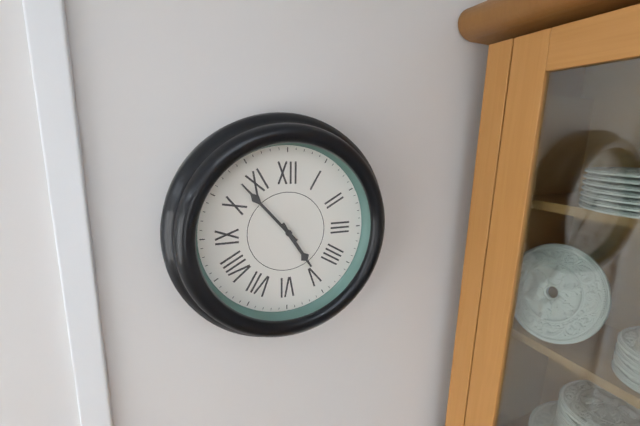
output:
4 h 53 min
